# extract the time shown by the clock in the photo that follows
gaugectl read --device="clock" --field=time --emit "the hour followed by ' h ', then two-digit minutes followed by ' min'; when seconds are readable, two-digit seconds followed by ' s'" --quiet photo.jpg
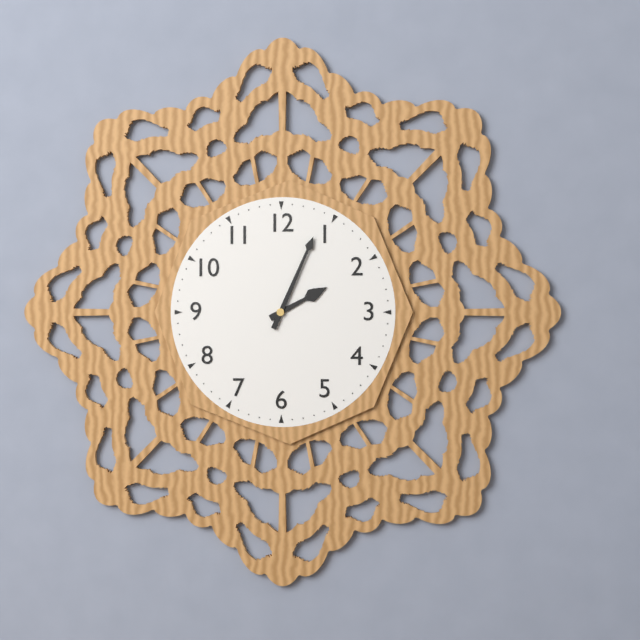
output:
2 h 04 min
